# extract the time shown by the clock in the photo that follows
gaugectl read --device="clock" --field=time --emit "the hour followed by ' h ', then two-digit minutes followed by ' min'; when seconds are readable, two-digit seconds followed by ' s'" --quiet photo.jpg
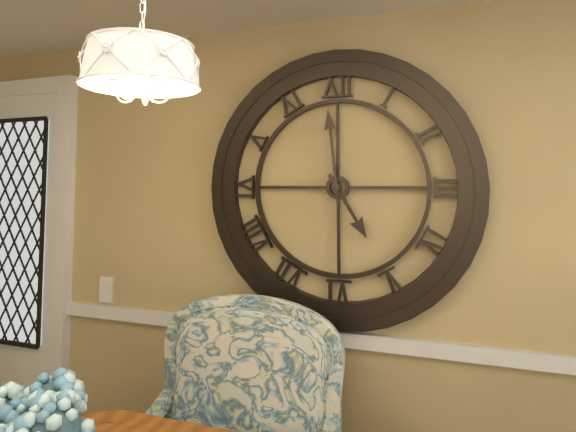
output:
4 h 59 min
